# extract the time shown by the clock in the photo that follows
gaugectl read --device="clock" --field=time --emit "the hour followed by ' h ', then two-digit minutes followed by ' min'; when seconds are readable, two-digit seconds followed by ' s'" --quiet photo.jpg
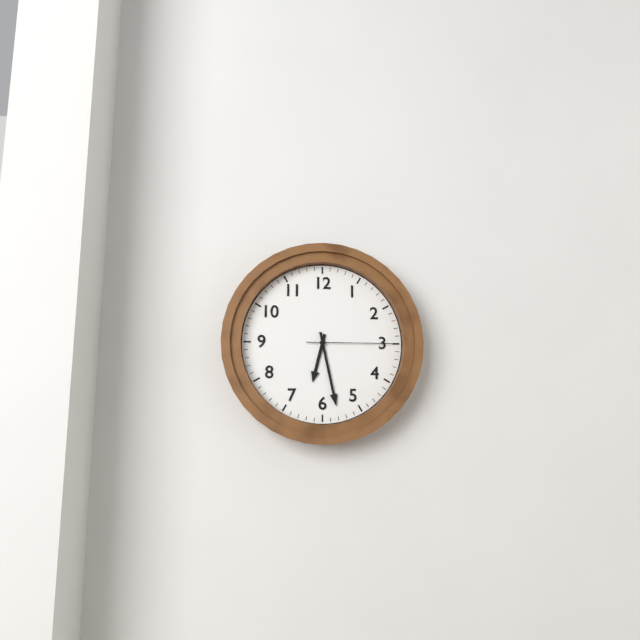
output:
6 h 28 min 15 s
